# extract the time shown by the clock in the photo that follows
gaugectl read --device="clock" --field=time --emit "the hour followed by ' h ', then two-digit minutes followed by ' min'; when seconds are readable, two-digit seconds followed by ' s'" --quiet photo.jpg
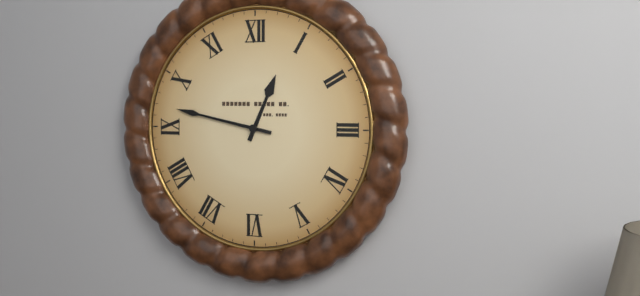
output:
12 h 47 min
